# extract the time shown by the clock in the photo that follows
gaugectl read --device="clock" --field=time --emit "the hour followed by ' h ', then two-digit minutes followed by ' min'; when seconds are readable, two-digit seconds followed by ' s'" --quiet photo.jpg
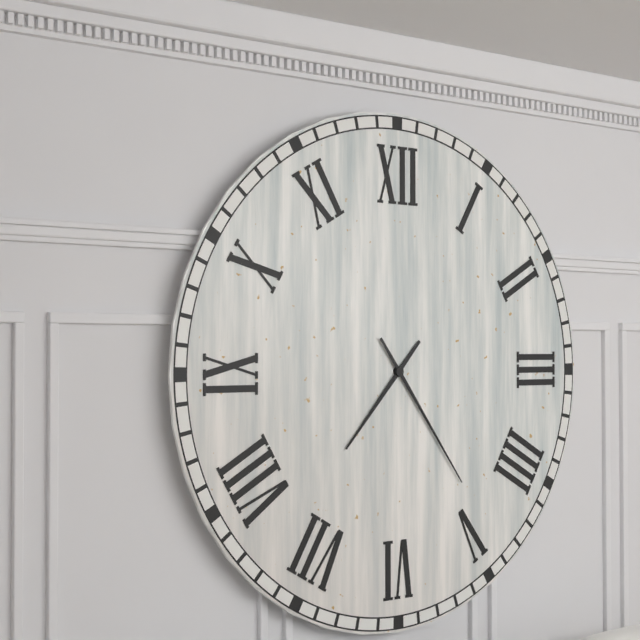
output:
7 h 24 min
